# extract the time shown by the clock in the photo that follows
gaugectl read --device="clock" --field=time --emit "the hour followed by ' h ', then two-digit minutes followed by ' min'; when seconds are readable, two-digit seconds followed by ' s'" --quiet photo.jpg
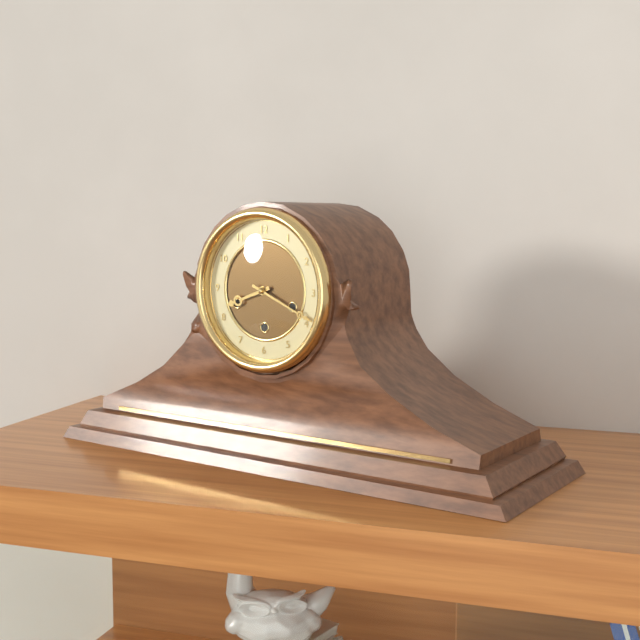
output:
8 h 19 min
